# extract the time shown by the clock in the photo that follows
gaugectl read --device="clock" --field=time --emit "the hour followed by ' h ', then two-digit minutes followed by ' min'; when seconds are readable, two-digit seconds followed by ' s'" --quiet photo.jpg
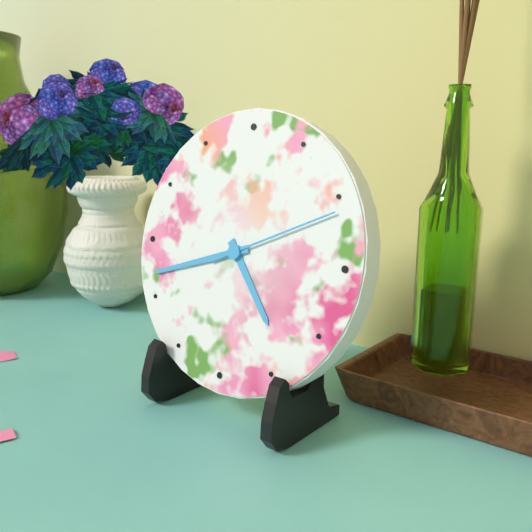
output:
4 h 42 min 11 s
